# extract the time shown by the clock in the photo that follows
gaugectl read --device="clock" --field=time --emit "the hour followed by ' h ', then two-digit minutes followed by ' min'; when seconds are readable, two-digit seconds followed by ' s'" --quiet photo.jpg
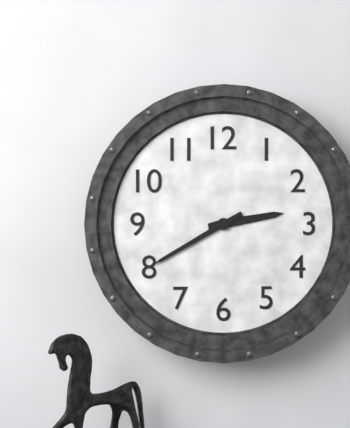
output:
2 h 40 min
